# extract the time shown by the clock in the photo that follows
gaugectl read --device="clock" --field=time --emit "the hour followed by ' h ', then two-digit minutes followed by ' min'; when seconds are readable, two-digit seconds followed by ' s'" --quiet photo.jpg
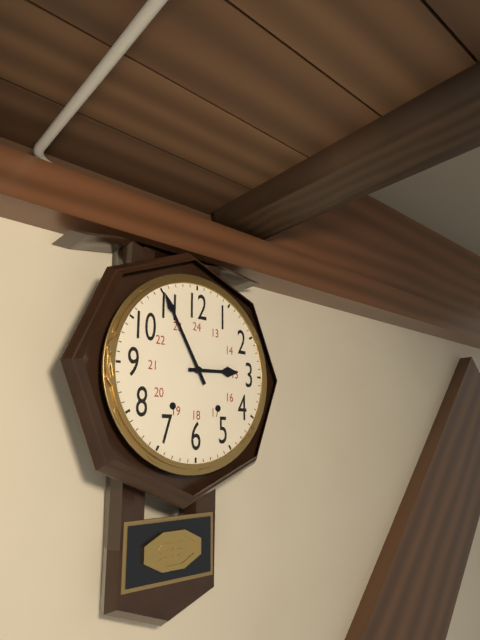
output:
2 h 55 min
